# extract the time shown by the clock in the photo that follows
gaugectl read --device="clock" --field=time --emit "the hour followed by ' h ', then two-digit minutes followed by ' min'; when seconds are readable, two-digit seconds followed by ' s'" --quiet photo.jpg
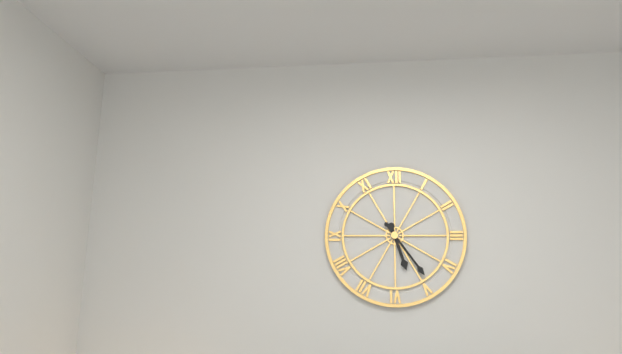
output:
5 h 24 min
